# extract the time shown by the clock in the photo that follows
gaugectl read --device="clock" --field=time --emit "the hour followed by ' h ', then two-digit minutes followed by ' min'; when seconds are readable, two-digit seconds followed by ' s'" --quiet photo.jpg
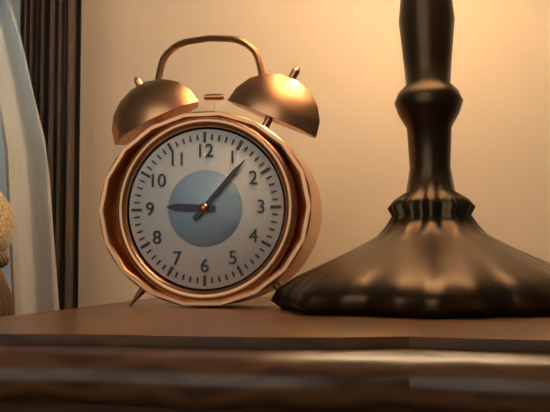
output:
9 h 07 min
